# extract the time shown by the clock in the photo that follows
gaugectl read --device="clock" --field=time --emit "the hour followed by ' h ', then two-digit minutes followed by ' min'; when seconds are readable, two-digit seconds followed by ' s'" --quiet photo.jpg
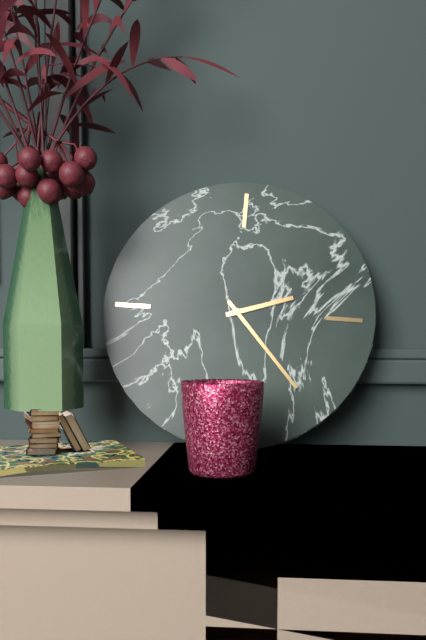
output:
2 h 23 min
